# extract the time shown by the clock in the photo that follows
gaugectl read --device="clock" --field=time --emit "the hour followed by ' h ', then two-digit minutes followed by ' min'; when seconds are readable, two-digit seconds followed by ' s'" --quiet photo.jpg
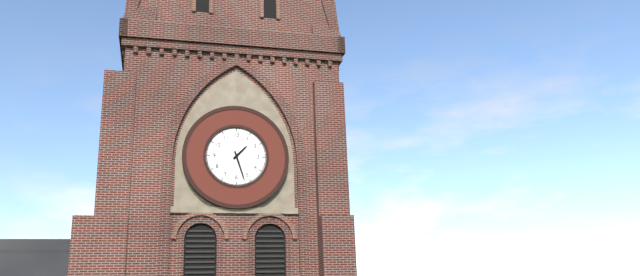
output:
1 h 27 min
